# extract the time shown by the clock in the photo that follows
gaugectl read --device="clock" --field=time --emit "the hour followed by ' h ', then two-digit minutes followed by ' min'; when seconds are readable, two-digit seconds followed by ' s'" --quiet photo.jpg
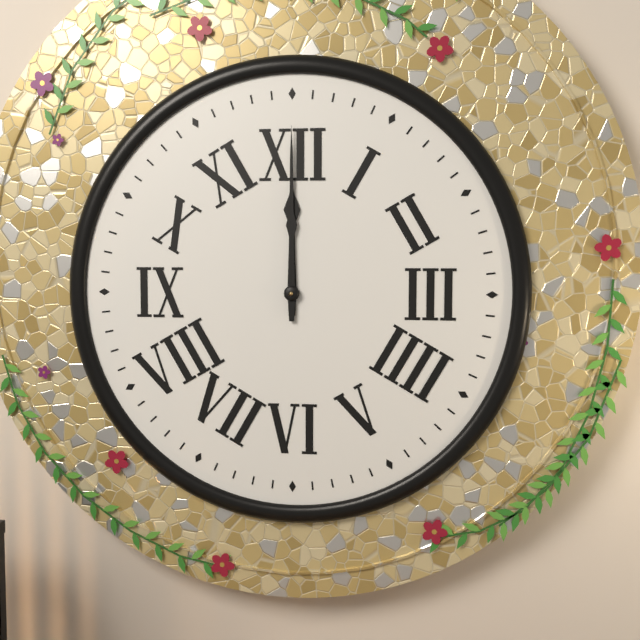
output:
12 h 00 min
